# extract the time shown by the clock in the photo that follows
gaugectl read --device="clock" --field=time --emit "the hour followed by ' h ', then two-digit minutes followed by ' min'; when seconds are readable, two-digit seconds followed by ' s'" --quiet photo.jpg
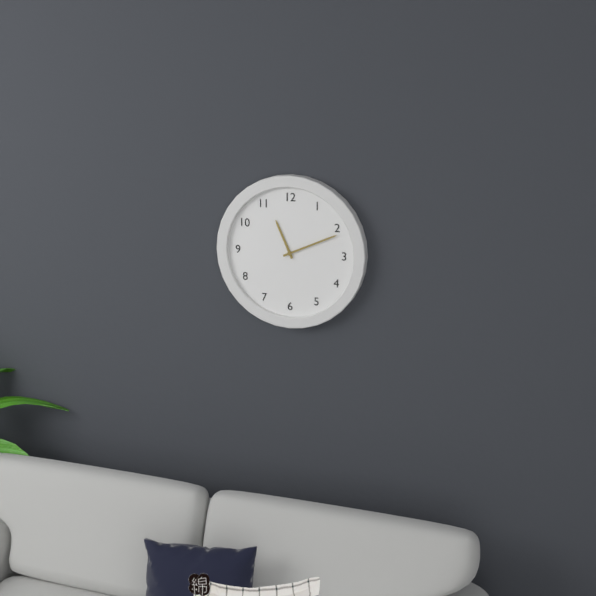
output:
11 h 11 min
